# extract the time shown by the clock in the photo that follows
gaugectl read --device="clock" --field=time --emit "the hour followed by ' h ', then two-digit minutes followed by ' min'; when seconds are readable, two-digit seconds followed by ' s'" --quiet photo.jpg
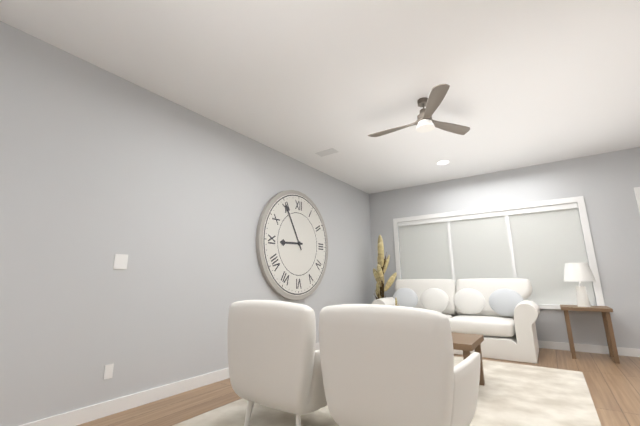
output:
8 h 55 min
